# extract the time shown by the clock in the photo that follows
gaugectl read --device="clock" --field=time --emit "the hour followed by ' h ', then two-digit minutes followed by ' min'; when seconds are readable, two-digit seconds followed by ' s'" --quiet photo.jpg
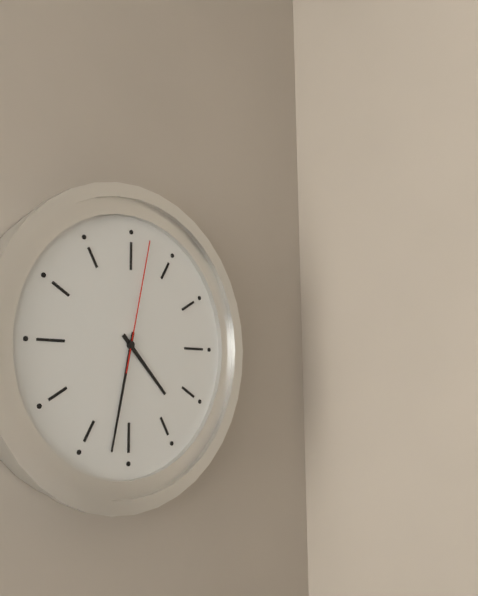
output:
4 h 32 min 02 s
